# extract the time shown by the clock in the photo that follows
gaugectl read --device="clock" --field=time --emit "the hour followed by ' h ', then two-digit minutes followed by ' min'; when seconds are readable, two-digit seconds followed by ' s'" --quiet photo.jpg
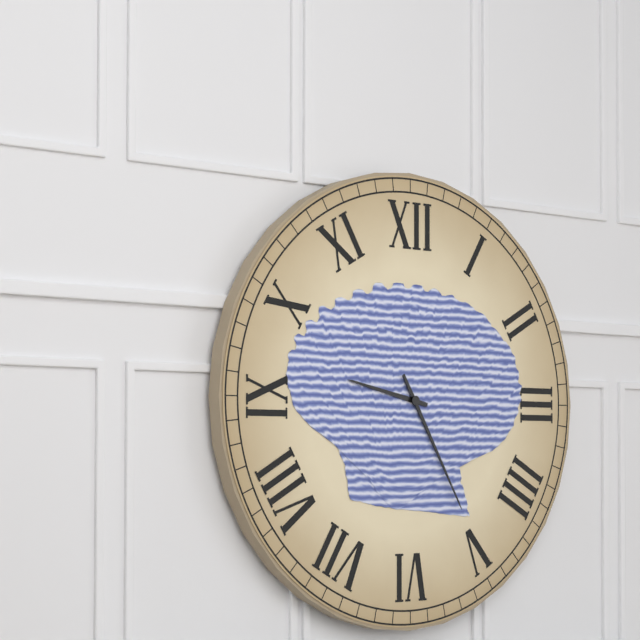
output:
9 h 25 min
